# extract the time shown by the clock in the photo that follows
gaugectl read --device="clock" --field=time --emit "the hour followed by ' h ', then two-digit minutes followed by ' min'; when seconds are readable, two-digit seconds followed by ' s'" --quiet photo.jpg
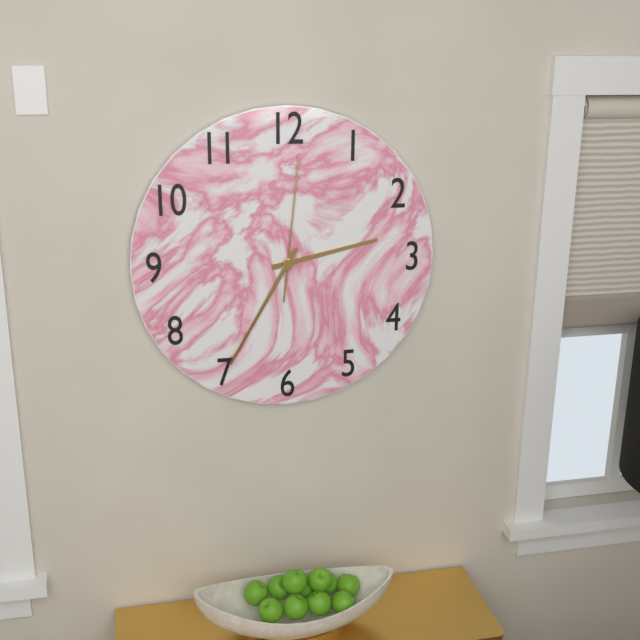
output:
2 h 35 min 01 s
